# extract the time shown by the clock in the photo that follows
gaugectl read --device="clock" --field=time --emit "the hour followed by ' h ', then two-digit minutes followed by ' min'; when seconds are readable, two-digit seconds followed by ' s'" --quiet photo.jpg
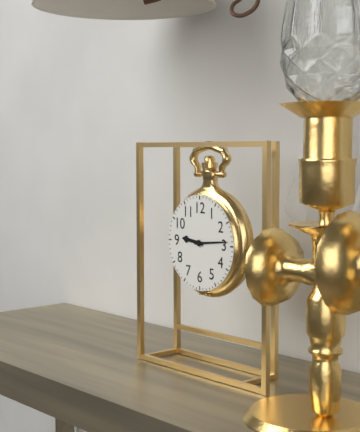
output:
9 h 14 min
